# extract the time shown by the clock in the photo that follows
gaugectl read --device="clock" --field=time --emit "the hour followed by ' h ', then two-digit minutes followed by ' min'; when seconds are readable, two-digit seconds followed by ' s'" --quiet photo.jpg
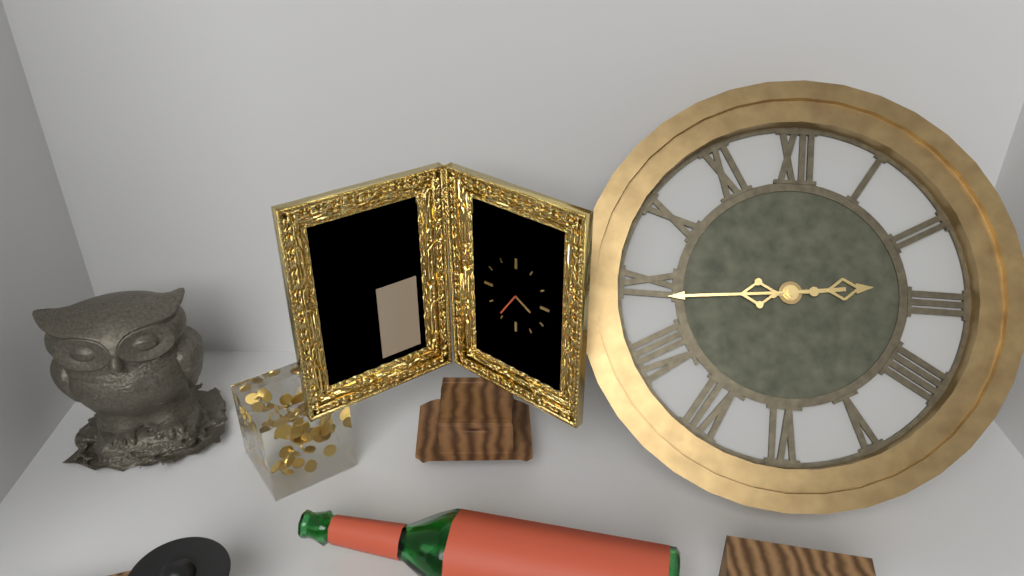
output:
2 h 44 min
